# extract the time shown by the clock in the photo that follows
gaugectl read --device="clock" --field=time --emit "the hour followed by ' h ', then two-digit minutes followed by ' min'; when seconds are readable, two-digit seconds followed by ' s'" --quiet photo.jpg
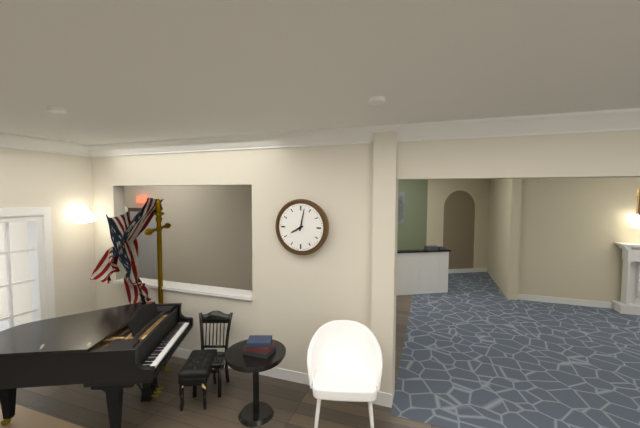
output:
8 h 02 min
